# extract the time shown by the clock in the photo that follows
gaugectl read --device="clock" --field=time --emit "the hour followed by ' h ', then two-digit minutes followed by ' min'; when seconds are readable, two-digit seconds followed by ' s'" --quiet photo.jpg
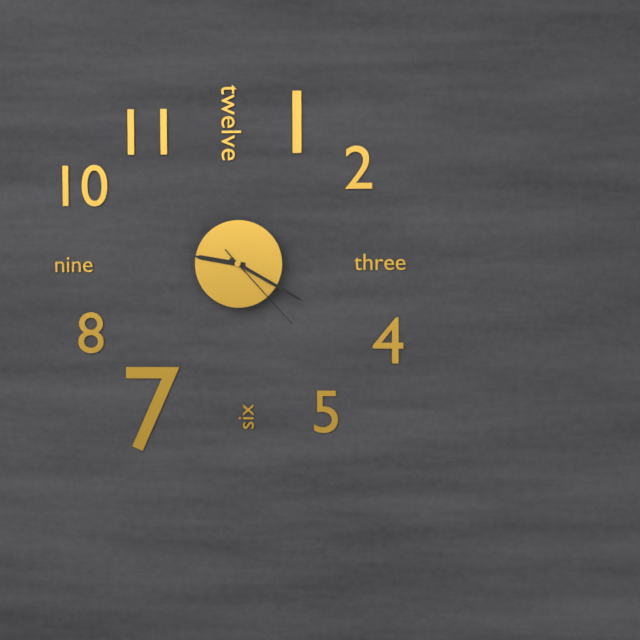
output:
9 h 20 min 23 s
